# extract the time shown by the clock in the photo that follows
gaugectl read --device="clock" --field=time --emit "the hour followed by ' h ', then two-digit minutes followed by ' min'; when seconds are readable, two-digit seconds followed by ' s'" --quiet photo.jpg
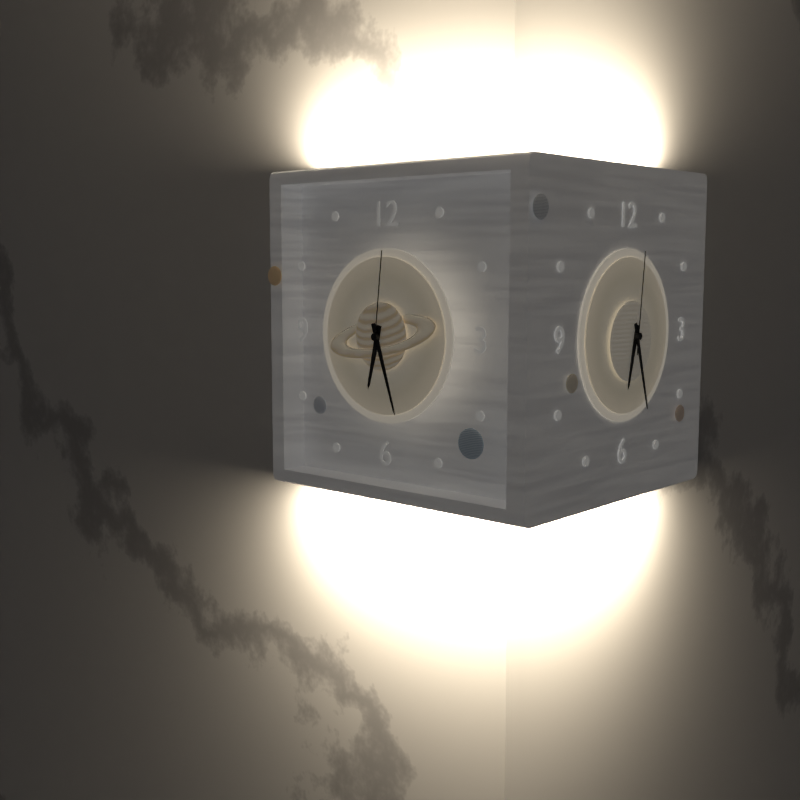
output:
6 h 27 min 01 s
